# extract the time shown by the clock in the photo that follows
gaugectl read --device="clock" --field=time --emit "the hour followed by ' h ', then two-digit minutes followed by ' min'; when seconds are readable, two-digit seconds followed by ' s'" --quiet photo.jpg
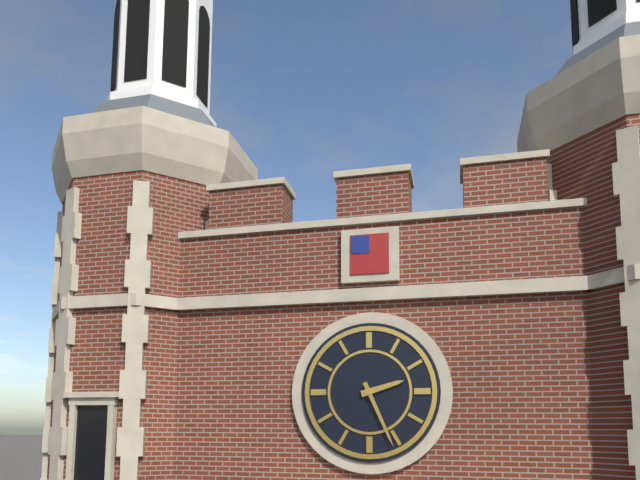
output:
2 h 26 min
